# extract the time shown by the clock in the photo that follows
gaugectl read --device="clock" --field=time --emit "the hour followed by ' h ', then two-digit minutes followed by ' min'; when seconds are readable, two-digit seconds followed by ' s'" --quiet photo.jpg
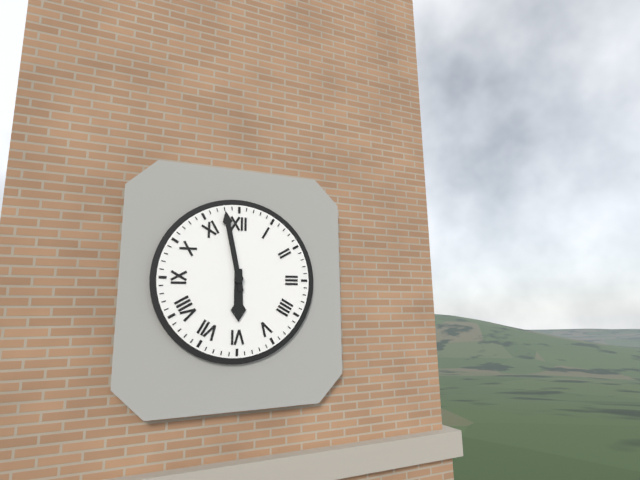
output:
5 h 58 min
